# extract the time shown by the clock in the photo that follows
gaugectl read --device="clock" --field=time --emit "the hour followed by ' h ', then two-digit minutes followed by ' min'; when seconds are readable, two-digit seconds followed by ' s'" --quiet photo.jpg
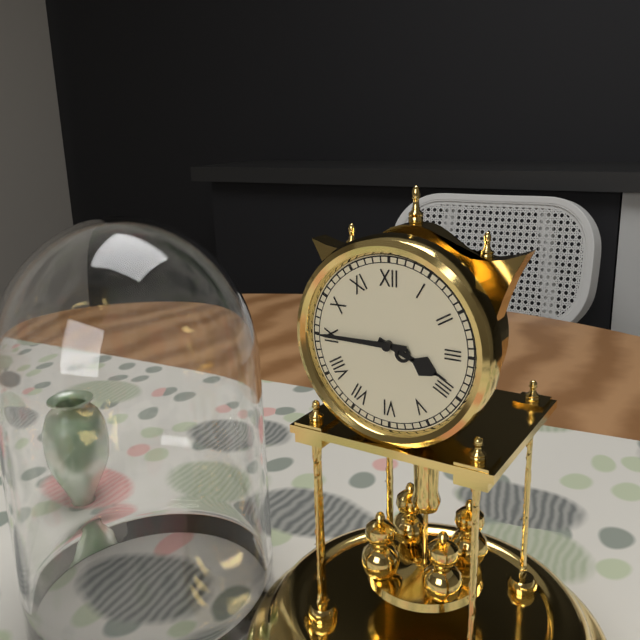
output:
3 h 45 min
